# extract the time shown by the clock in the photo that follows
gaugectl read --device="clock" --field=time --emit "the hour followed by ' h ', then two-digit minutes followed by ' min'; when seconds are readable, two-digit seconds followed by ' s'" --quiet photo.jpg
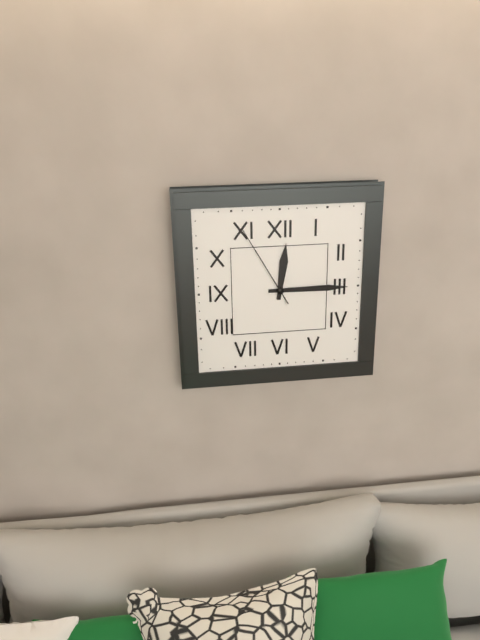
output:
12 h 15 min 55 s
